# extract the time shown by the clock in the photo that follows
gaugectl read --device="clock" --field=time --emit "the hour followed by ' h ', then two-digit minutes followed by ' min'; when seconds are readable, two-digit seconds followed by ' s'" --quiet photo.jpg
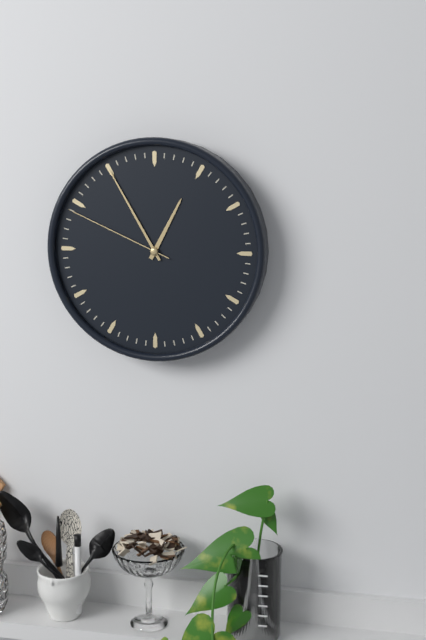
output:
12 h 55 min 49 s
